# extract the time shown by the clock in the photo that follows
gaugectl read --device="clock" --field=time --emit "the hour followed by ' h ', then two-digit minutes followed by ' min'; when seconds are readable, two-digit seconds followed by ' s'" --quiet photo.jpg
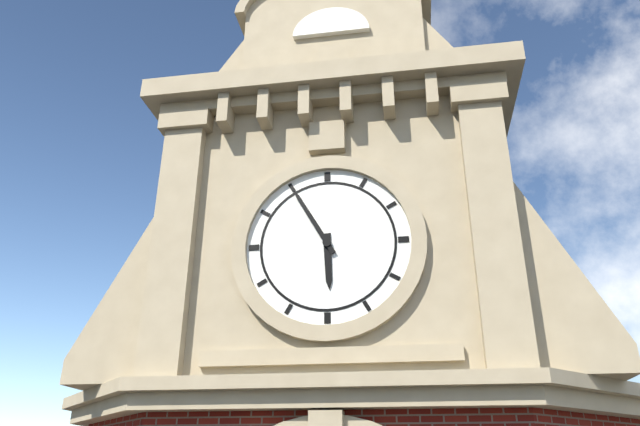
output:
5 h 55 min
